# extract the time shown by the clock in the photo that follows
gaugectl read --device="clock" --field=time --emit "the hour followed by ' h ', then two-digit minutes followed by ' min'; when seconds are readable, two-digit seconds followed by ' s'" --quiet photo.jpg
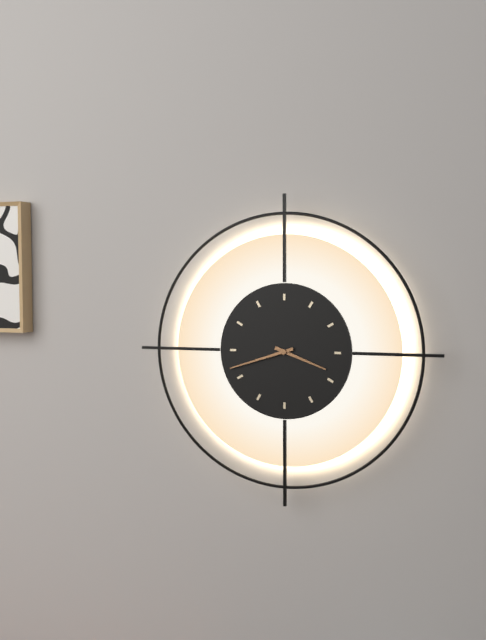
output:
3 h 42 min
